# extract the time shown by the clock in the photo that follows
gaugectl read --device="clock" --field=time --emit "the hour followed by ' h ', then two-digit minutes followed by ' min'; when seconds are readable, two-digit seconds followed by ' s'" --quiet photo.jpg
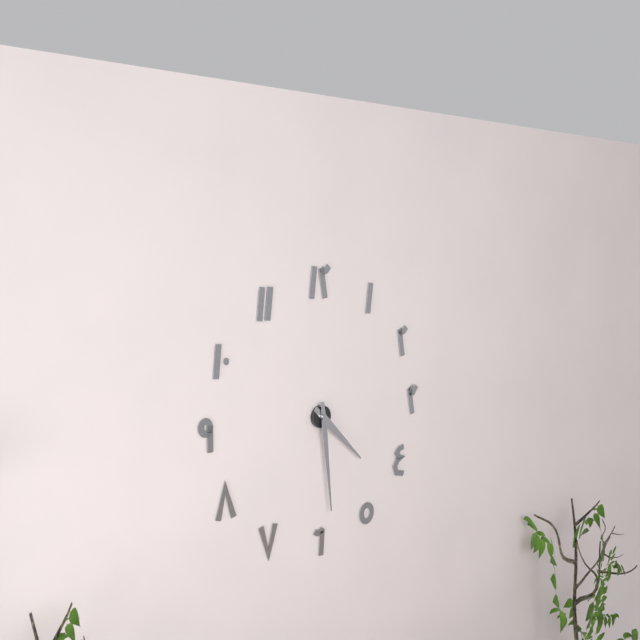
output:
4 h 29 min
